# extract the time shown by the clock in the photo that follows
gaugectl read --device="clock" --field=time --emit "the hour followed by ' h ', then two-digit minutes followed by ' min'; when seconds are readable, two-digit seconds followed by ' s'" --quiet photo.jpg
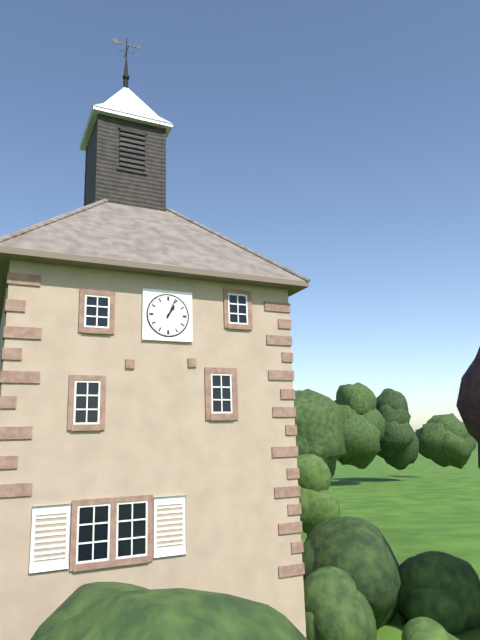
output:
1 h 04 min
